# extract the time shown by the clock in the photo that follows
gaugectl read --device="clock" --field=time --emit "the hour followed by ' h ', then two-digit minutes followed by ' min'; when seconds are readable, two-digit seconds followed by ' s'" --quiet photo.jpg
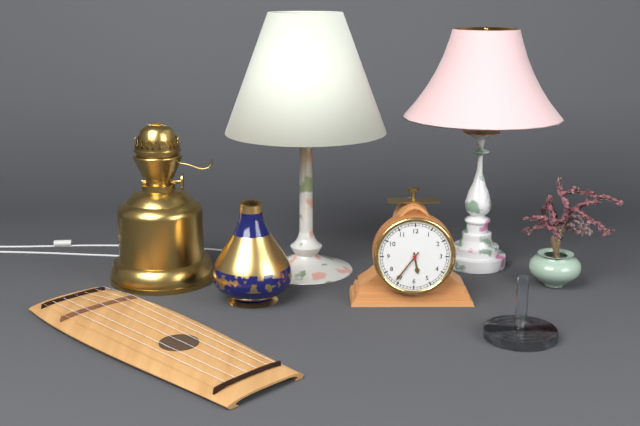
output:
5 h 36 min
